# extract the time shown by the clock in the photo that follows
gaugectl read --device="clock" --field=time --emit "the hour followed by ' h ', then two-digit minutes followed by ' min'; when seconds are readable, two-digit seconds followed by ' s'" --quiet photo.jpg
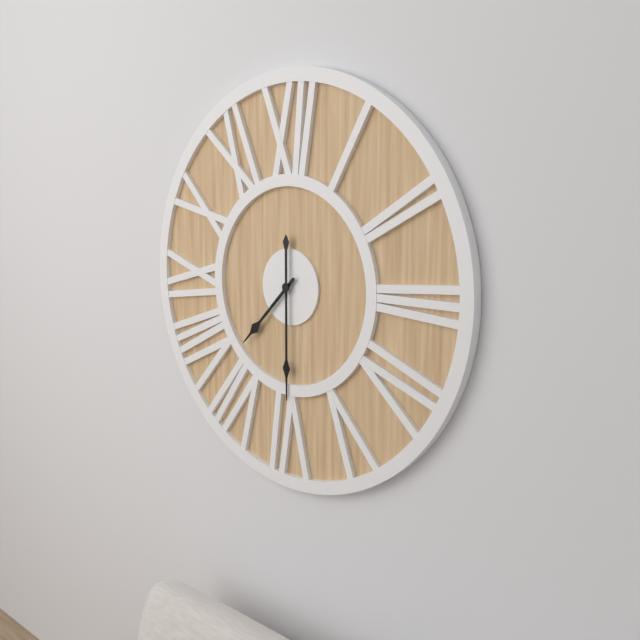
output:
7 h 30 min
